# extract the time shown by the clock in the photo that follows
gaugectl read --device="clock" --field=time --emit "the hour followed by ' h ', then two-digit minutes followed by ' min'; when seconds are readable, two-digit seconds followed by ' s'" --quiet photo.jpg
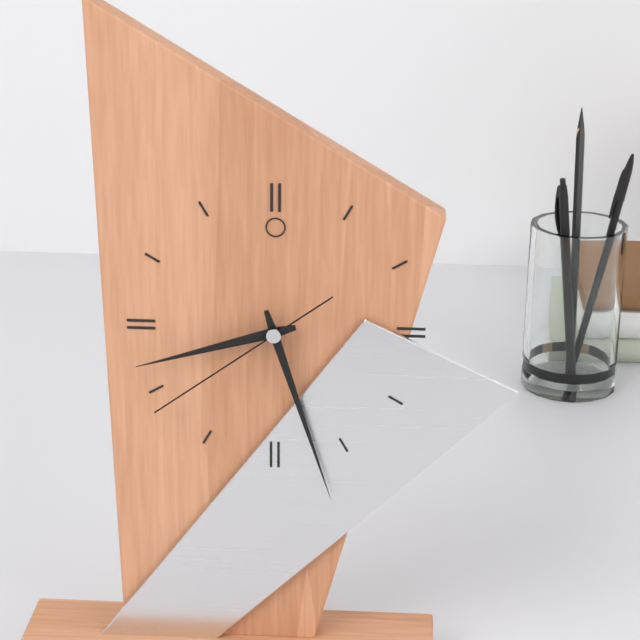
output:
8 h 27 min 39 s
